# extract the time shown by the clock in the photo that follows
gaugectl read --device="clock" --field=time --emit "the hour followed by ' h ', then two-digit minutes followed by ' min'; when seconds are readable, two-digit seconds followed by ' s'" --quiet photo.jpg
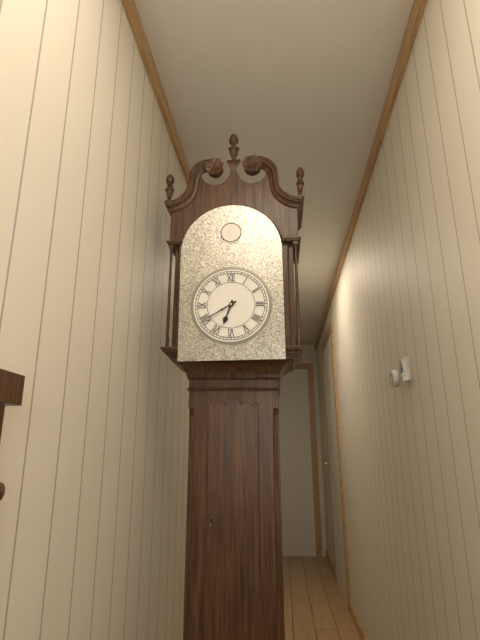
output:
6 h 40 min
